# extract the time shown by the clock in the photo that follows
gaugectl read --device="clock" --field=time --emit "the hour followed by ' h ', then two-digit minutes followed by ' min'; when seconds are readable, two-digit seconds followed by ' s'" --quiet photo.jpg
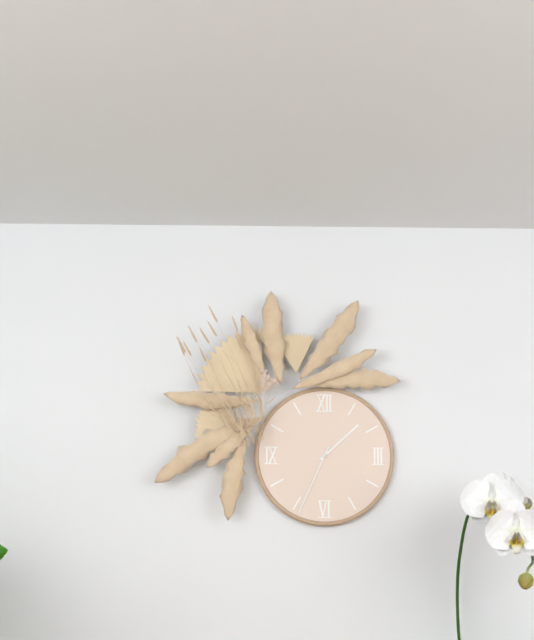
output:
1 h 34 min
